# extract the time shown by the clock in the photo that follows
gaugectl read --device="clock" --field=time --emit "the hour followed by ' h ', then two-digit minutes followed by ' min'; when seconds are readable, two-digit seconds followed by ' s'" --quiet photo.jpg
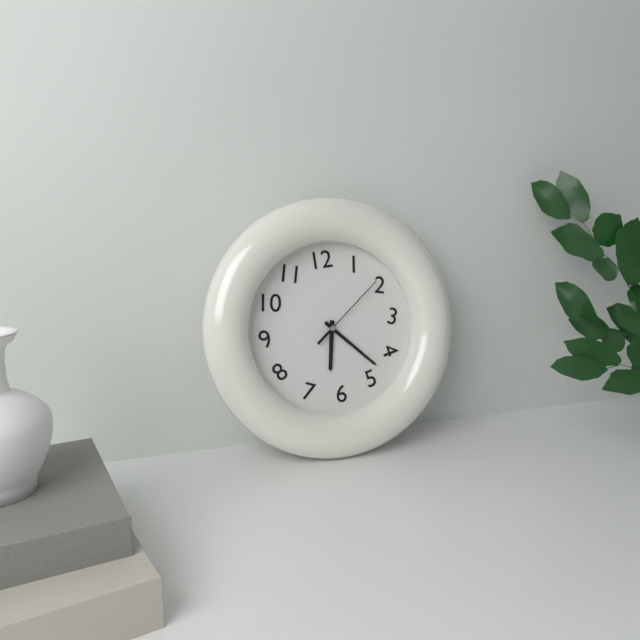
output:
6 h 23 min 09 s
